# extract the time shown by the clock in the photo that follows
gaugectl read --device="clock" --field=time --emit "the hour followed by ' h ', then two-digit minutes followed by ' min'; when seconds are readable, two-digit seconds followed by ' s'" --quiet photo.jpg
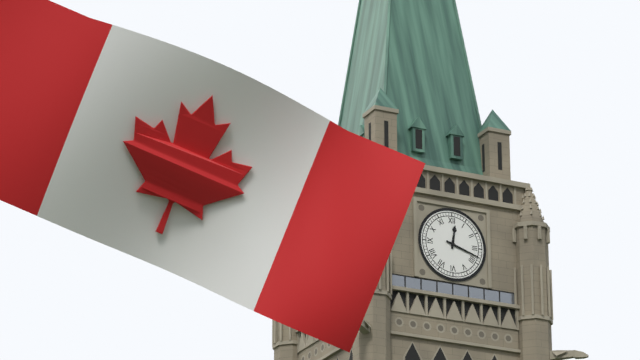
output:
12 h 18 min
